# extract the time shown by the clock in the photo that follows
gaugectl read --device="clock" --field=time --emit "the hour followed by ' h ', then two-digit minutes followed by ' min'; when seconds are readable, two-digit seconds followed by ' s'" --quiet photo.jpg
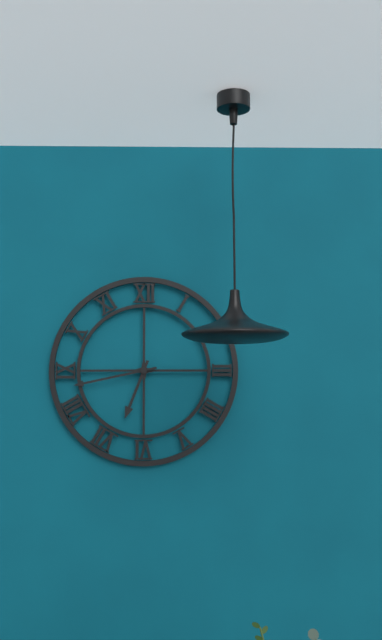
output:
6 h 43 min
